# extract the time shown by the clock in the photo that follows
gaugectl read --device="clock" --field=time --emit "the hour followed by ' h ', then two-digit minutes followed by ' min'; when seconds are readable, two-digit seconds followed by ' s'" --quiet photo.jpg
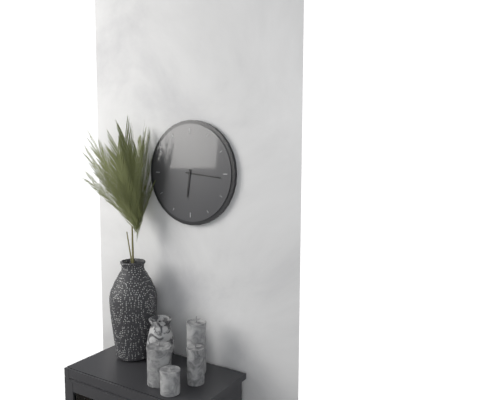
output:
6 h 16 min
